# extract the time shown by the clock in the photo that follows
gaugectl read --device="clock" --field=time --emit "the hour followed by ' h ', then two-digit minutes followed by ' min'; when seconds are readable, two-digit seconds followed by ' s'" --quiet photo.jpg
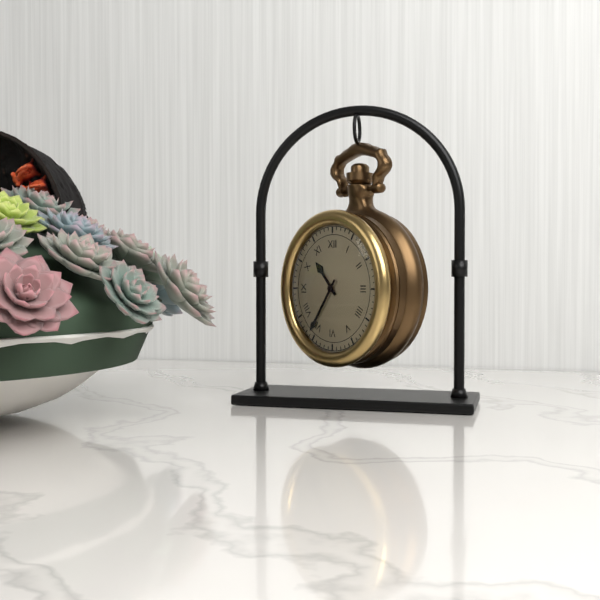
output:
10 h 36 min
